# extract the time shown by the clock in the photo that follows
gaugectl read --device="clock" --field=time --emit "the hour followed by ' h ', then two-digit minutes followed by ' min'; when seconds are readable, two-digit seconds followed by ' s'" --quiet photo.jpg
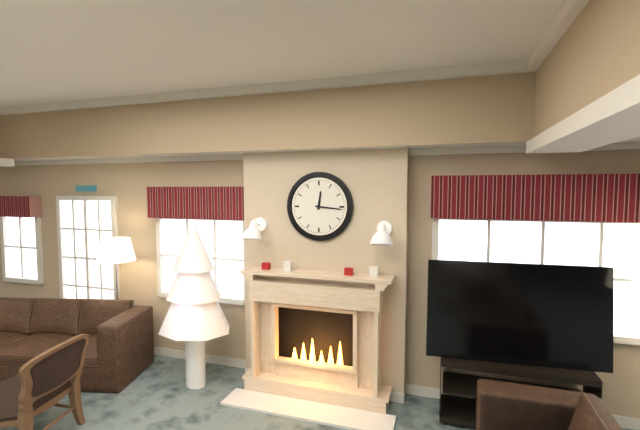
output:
12 h 16 min
